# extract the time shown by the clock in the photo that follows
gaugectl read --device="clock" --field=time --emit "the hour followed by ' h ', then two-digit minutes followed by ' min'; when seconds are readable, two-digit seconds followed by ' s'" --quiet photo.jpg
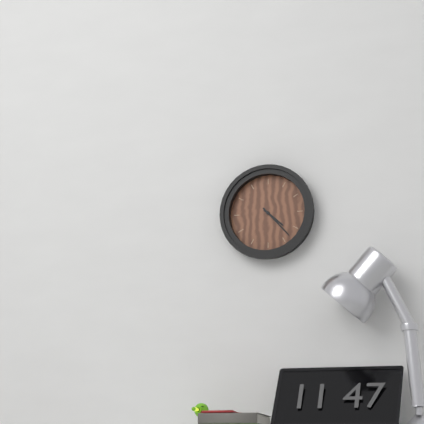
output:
4 h 23 min
